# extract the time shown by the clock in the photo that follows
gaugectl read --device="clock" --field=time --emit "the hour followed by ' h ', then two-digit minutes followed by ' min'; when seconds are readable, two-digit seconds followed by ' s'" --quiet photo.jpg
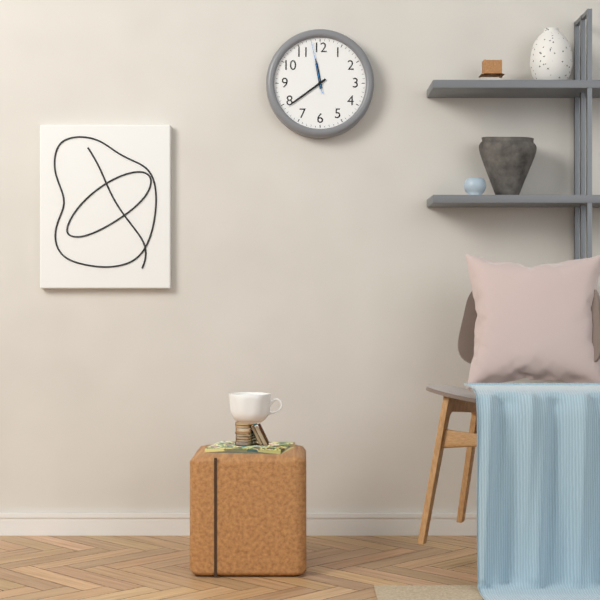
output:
11 h 39 min 58 s
